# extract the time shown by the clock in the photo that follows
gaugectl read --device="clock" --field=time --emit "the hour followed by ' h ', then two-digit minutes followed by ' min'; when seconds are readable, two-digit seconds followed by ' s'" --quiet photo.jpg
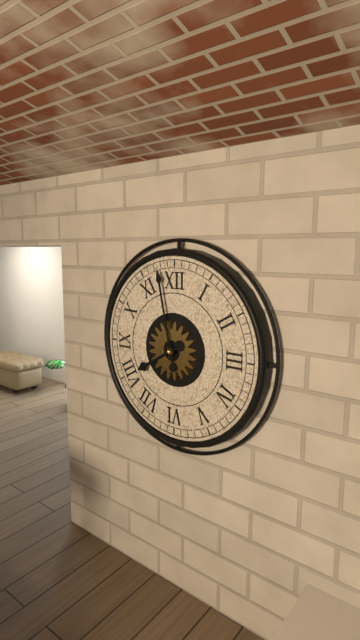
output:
7 h 58 min
